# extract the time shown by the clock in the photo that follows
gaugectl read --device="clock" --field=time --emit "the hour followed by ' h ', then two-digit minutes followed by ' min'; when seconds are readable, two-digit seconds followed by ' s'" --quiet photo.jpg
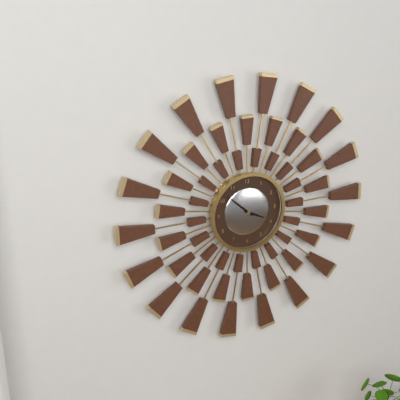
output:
3 h 52 min
